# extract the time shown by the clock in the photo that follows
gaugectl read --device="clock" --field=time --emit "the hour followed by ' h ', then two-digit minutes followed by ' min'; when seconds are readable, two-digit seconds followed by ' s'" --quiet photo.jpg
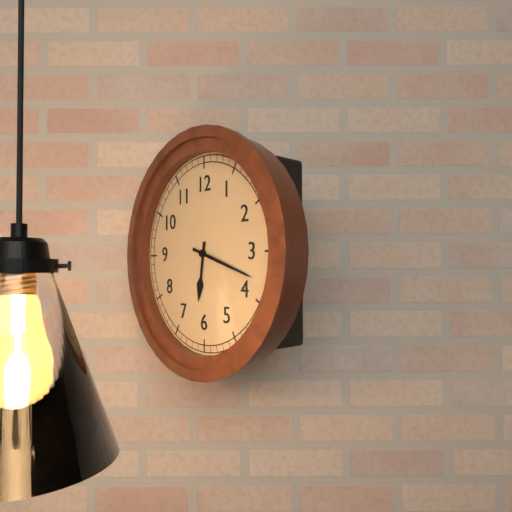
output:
6 h 18 min
